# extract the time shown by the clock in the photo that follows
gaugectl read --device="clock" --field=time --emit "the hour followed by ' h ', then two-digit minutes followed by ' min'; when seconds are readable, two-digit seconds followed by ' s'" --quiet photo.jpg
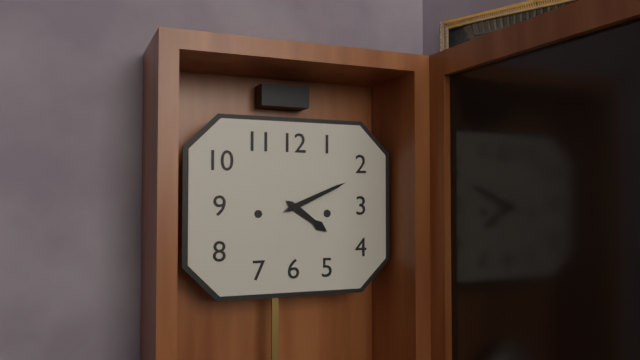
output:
4 h 11 min
